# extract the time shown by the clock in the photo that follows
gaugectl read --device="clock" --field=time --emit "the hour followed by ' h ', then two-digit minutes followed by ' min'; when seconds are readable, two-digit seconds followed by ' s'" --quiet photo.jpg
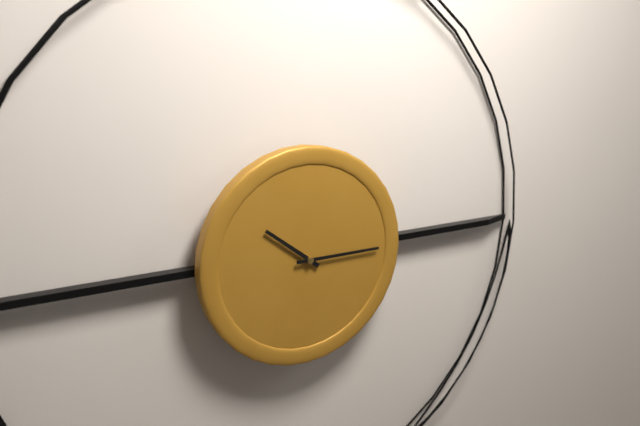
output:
10 h 15 min
